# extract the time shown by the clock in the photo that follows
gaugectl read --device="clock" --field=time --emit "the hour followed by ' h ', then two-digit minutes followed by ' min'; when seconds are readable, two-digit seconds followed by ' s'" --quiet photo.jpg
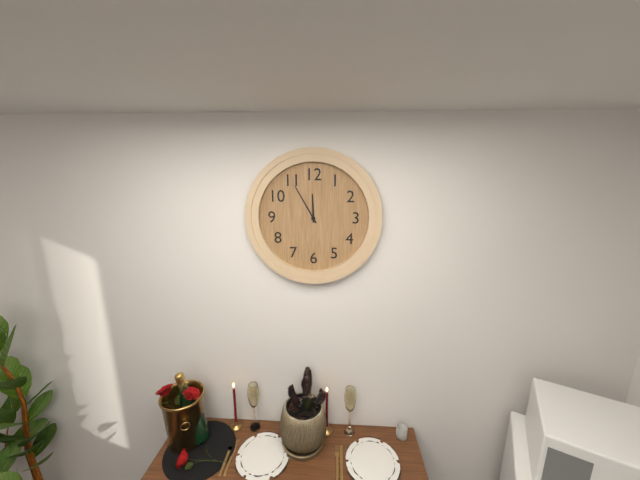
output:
11 h 55 min
